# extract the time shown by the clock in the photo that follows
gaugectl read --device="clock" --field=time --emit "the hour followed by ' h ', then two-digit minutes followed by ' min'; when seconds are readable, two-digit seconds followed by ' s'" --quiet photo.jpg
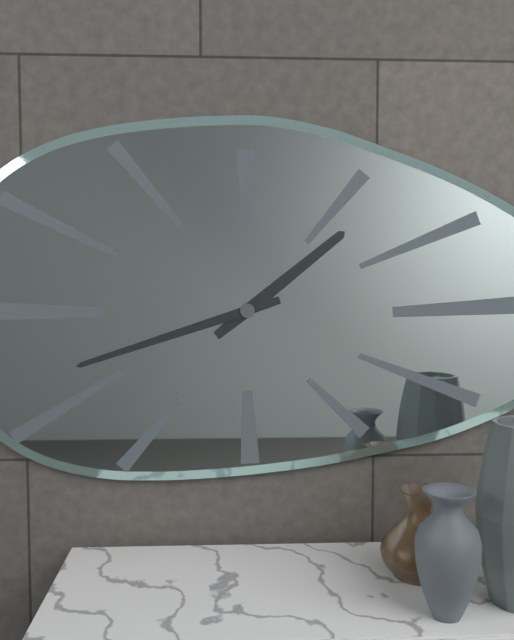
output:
1 h 42 min
